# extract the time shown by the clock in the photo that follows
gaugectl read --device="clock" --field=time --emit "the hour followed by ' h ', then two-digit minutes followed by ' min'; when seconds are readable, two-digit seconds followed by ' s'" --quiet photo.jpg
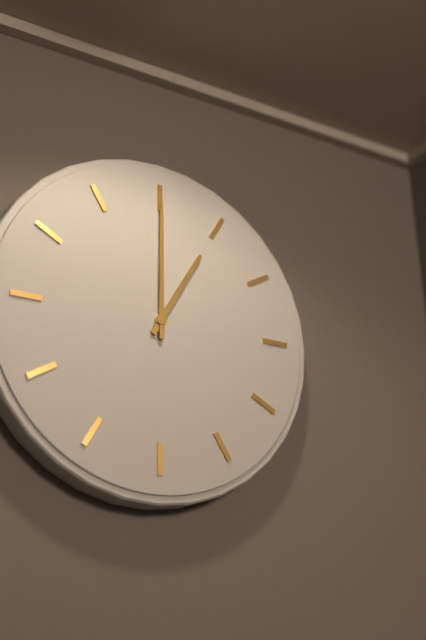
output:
1 h 00 min
